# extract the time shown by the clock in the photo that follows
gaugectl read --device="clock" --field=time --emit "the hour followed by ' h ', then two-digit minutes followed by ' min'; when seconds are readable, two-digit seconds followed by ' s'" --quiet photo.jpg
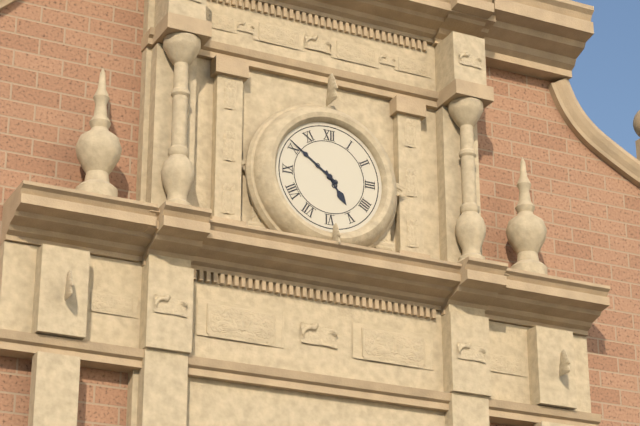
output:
4 h 51 min
